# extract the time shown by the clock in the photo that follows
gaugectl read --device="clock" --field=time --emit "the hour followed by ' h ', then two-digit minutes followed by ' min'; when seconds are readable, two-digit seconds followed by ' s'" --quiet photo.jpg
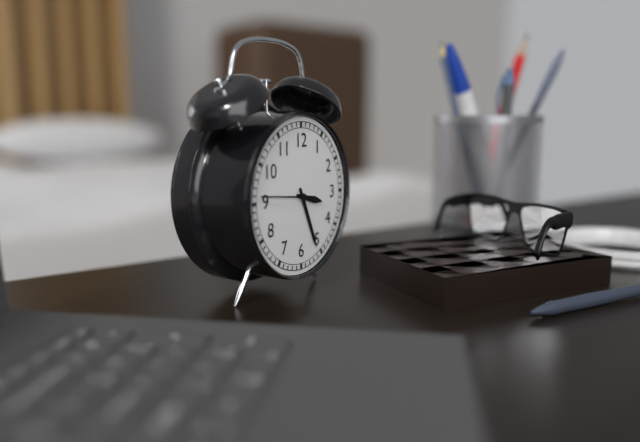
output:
3 h 26 min
